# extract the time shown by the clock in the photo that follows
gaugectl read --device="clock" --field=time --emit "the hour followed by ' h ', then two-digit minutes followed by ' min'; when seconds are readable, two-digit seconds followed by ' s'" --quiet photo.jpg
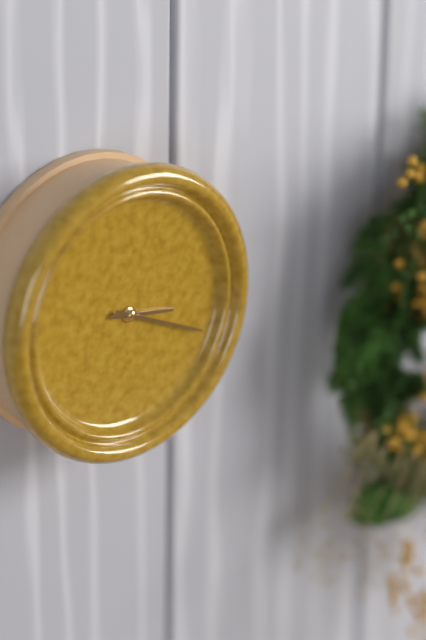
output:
3 h 19 min
